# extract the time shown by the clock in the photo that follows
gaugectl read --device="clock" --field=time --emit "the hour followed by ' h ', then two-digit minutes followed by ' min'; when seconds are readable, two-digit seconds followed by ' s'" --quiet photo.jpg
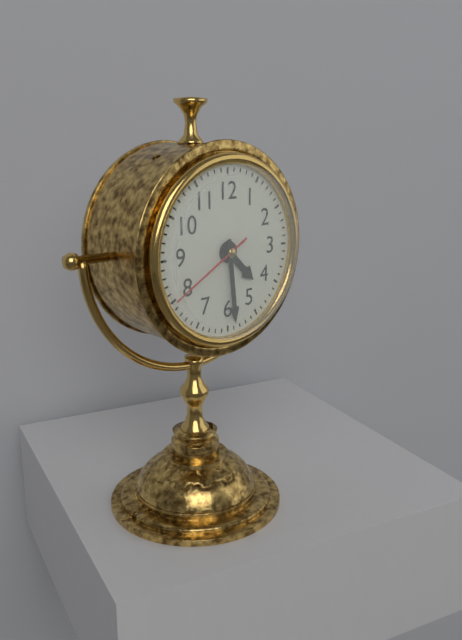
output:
4 h 29 min 40 s
